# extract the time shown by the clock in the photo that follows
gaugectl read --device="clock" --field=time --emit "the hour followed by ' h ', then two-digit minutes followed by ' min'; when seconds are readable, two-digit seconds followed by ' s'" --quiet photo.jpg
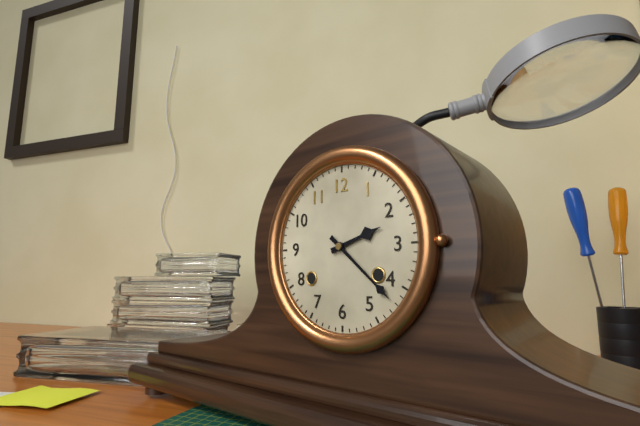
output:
2 h 22 min
